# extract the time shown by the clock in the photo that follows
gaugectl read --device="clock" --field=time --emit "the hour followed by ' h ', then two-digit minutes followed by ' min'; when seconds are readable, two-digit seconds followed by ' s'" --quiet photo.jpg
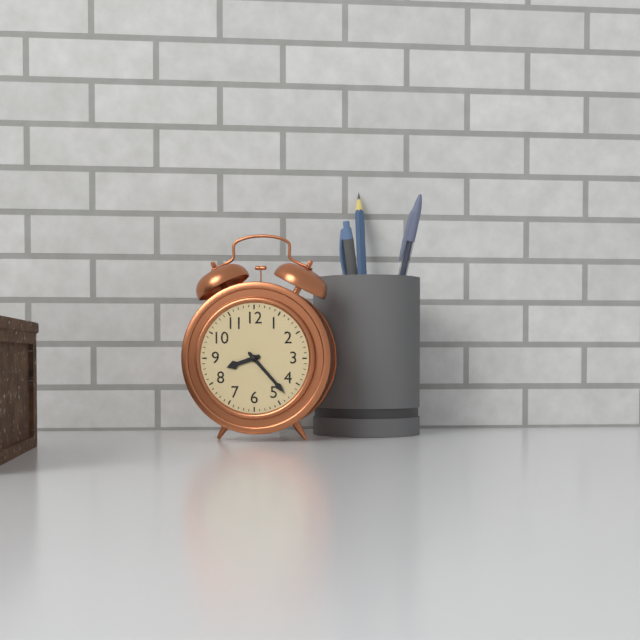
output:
8 h 23 min
